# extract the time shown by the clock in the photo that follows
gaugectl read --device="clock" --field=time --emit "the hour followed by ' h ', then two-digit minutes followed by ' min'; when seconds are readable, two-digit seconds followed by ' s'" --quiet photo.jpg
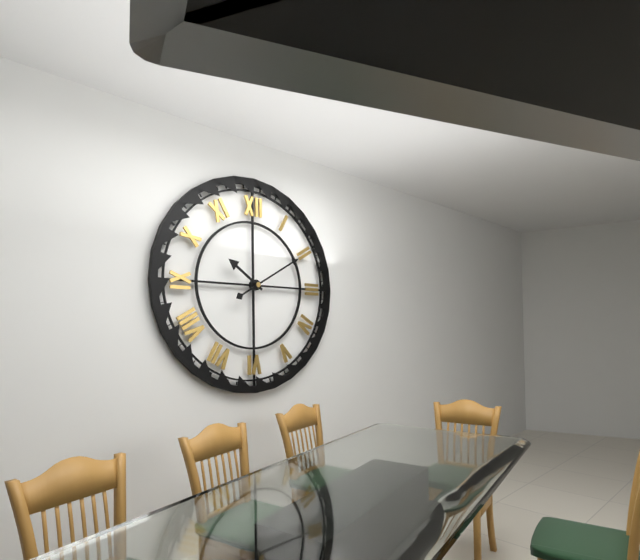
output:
10 h 10 min
